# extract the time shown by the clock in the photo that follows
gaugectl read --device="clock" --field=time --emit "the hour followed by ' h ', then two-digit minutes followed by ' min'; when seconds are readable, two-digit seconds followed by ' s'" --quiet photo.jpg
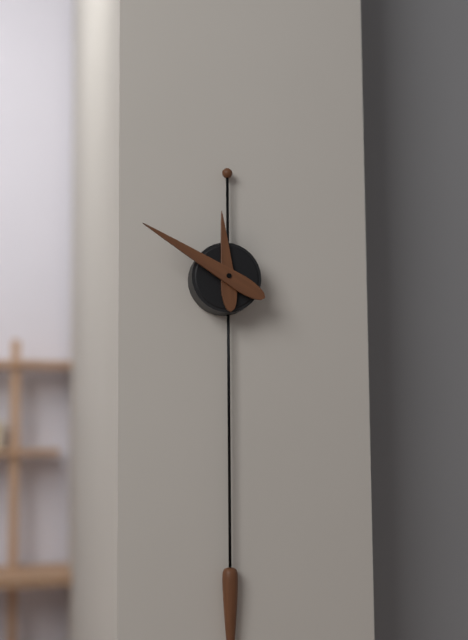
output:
11 h 50 min
